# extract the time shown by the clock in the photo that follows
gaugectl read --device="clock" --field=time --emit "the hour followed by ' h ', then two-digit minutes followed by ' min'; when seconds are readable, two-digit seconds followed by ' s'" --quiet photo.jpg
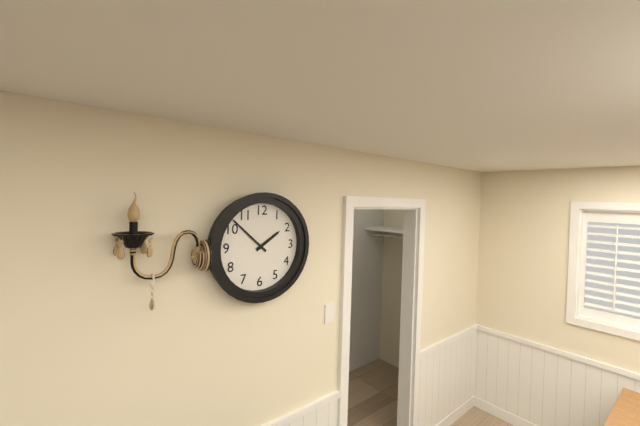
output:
1 h 52 min
